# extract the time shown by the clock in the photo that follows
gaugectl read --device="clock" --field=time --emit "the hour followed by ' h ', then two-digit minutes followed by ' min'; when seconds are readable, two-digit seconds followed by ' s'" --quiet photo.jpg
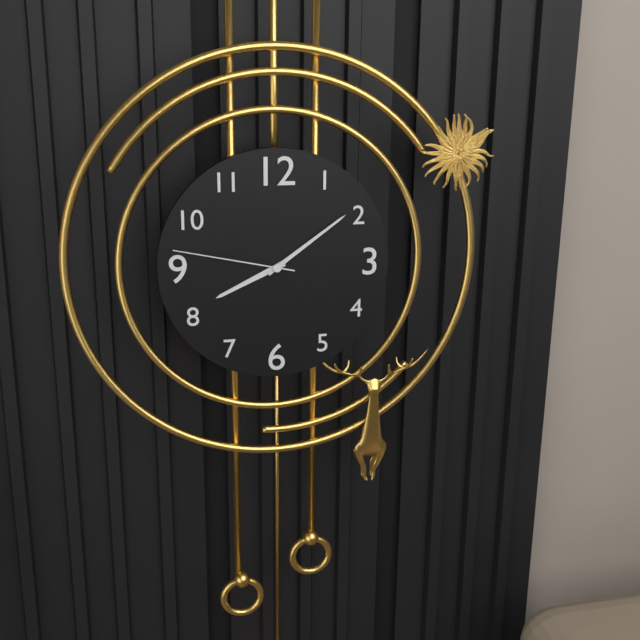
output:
8 h 09 min 47 s
